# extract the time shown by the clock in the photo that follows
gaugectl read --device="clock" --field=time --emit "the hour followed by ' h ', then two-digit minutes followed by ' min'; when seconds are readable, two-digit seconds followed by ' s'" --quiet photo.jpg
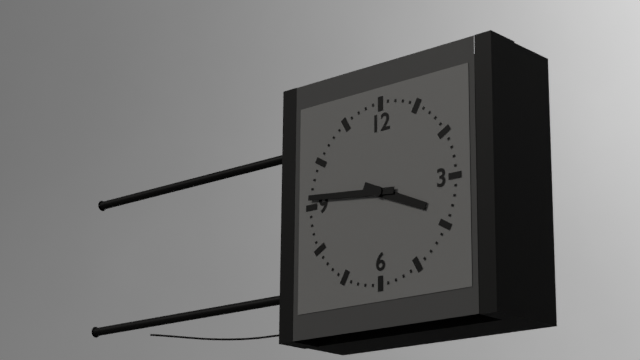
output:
3 h 46 min
